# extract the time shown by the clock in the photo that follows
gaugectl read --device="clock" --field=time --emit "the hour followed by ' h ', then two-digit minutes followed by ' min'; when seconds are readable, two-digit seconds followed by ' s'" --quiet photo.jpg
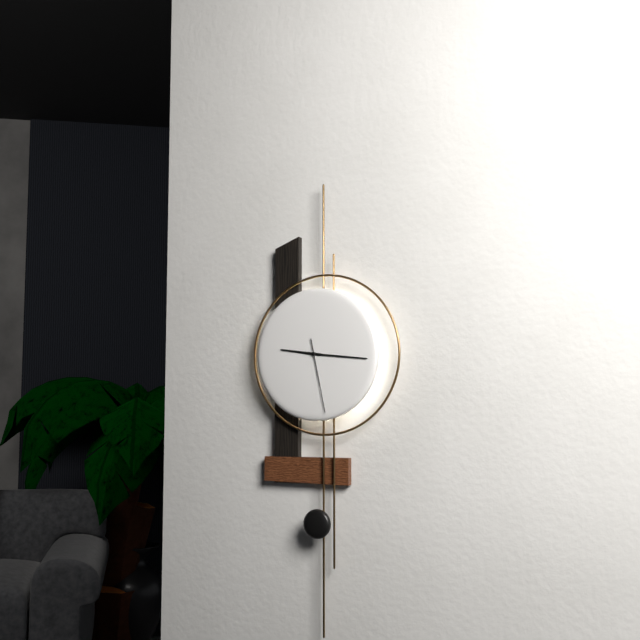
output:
9 h 16 min 28 s
